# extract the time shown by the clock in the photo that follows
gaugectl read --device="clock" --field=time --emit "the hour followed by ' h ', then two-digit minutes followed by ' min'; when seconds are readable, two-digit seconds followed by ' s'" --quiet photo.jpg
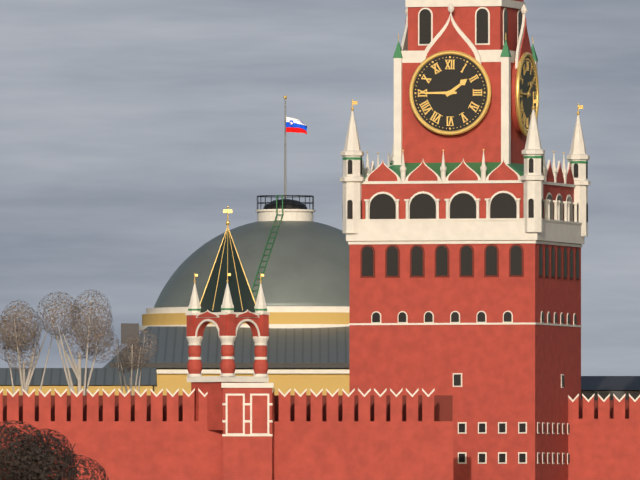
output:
1 h 45 min
